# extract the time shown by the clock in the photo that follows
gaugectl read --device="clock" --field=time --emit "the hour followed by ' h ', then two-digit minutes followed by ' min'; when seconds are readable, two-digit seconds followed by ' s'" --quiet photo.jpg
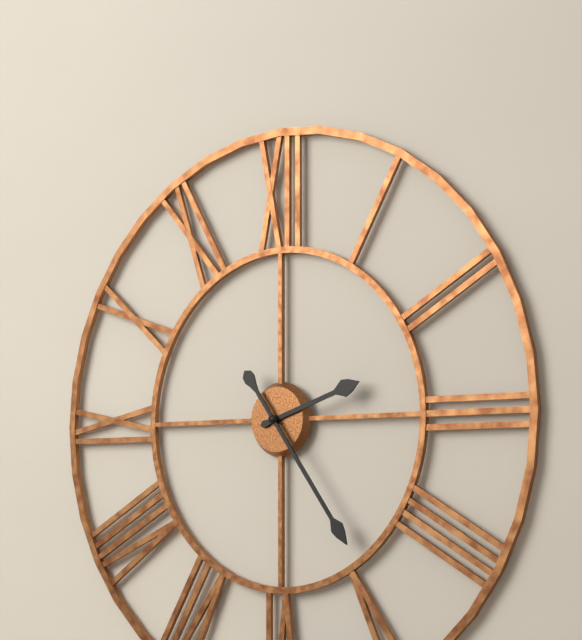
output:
2 h 24 min
